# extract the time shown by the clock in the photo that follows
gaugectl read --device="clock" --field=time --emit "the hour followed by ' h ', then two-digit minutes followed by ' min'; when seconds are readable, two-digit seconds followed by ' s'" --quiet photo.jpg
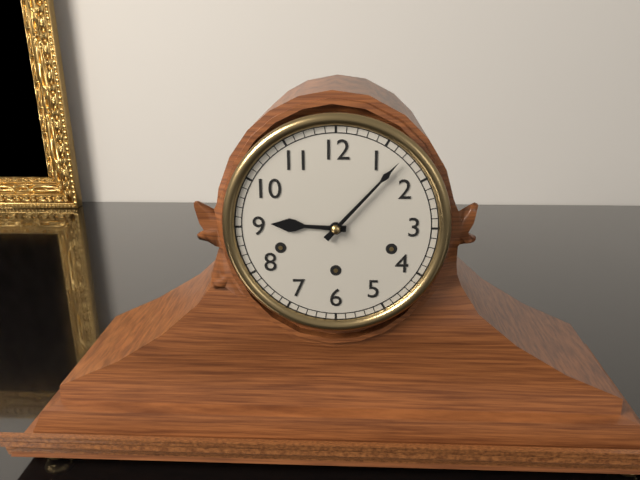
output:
9 h 07 min
